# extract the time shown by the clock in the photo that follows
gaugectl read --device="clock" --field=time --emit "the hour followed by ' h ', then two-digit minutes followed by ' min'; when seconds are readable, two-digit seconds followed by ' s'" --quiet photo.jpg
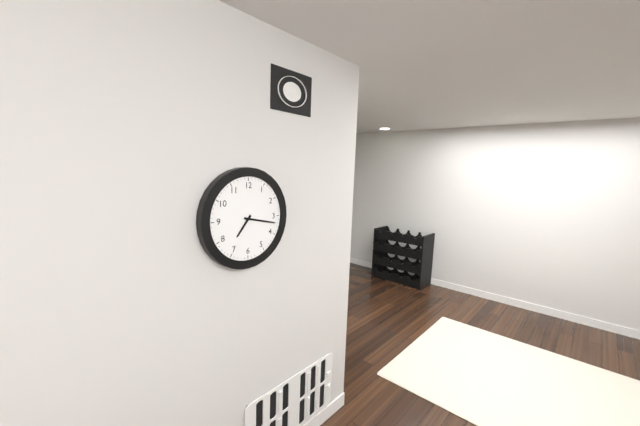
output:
7 h 17 min
